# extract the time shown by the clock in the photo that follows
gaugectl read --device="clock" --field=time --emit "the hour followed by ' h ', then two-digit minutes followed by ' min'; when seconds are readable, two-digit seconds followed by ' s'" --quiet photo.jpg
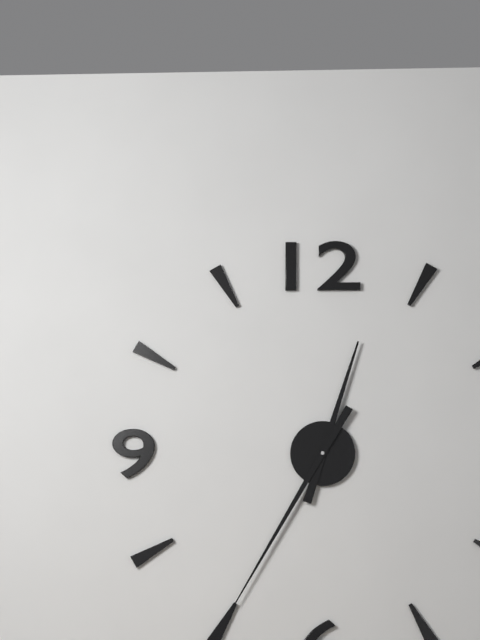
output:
12 h 35 min
